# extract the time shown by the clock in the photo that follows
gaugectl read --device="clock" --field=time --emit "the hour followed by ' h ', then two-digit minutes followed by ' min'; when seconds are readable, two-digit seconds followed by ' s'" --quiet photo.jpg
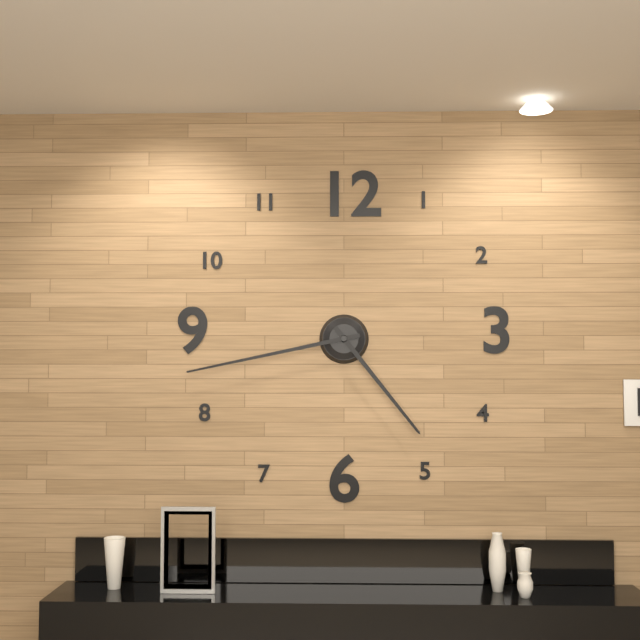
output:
4 h 43 min
